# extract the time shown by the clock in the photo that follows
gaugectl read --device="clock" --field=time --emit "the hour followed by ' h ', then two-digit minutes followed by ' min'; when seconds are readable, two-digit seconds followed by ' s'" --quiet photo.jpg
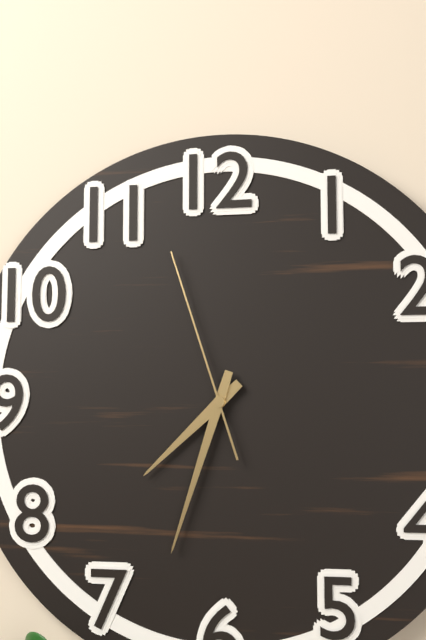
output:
7 h 33 min 57 s
